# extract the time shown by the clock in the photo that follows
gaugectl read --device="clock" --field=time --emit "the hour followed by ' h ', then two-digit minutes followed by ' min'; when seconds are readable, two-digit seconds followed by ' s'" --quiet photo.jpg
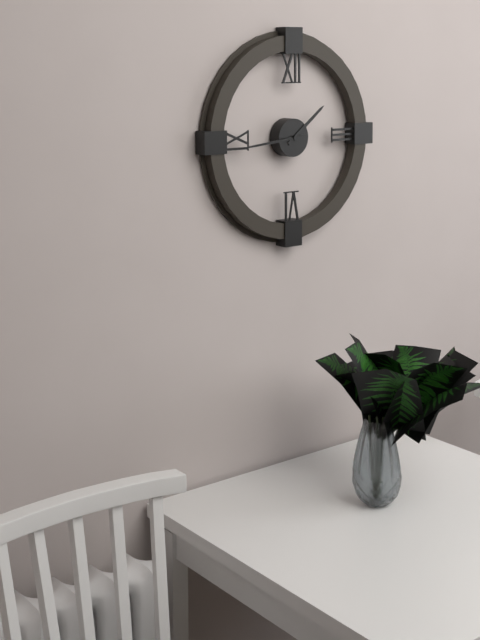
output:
1 h 44 min
